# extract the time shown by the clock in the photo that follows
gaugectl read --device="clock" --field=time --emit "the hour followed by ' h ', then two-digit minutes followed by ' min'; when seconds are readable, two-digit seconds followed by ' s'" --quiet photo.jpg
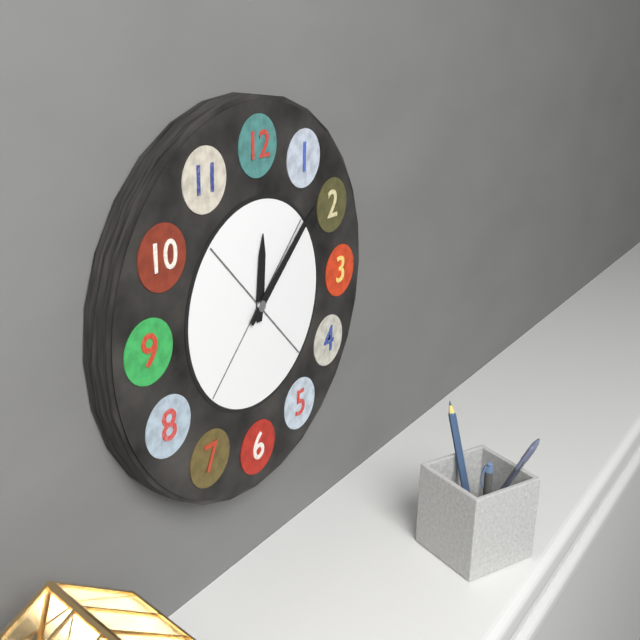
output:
12 h 08 min
